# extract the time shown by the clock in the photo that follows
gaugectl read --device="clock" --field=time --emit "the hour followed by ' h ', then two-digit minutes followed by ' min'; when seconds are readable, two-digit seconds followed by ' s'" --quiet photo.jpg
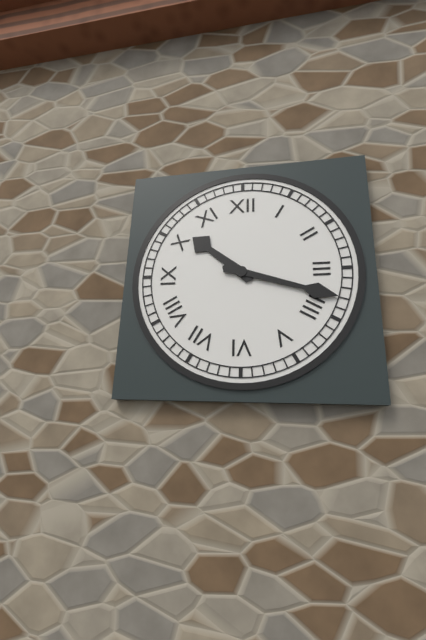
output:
10 h 18 min
